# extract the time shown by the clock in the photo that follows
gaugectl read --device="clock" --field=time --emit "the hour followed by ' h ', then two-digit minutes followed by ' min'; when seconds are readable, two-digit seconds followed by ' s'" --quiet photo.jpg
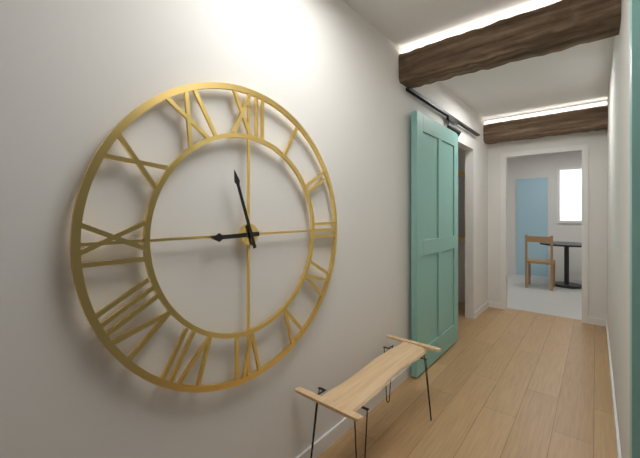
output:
8 h 57 min
